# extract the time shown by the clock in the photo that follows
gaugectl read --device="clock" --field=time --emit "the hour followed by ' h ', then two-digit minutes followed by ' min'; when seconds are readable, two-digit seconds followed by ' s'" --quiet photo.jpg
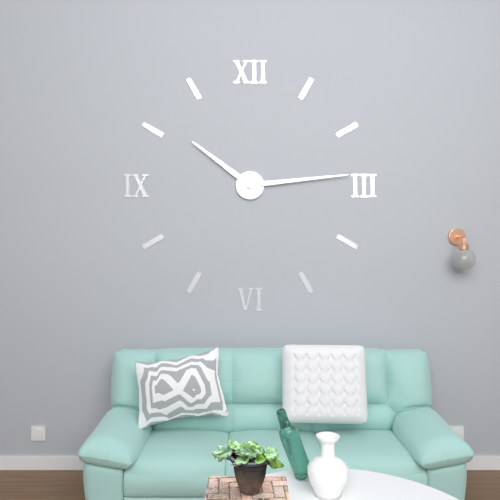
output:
10 h 14 min
